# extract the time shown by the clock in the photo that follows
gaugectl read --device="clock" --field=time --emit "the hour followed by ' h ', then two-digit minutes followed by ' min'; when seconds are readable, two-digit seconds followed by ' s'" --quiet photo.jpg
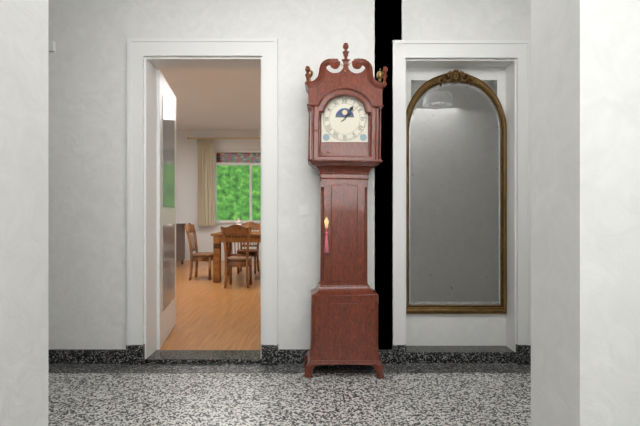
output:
1 h 08 min
